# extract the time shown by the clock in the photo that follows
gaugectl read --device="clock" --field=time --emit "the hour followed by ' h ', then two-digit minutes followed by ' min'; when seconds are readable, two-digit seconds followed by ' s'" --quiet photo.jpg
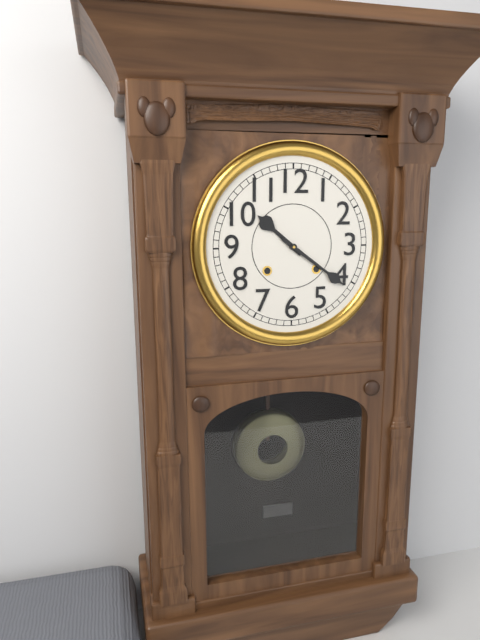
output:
10 h 21 min
